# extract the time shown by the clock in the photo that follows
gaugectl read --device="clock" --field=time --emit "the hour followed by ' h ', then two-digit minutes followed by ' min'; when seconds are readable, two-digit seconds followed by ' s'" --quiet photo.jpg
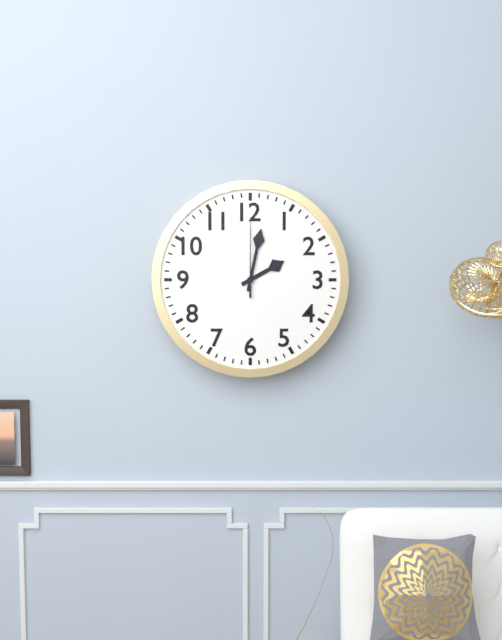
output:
2 h 02 min 00 s
